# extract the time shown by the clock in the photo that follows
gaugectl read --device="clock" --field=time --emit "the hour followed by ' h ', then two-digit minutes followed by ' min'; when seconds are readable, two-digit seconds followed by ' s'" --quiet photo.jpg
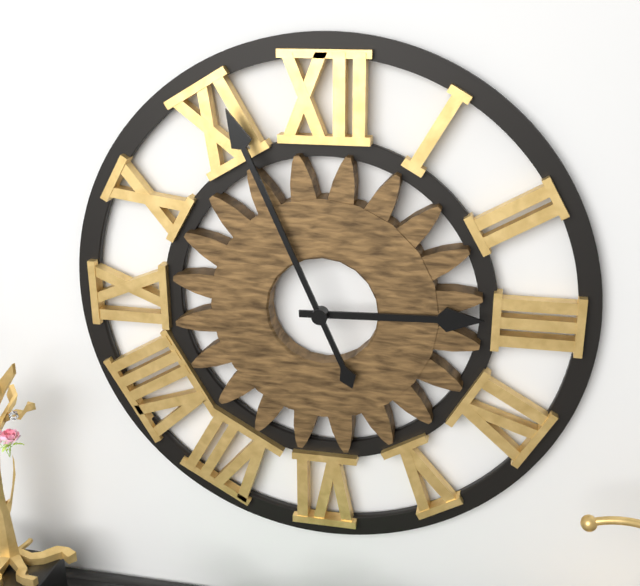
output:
2 h 56 min
